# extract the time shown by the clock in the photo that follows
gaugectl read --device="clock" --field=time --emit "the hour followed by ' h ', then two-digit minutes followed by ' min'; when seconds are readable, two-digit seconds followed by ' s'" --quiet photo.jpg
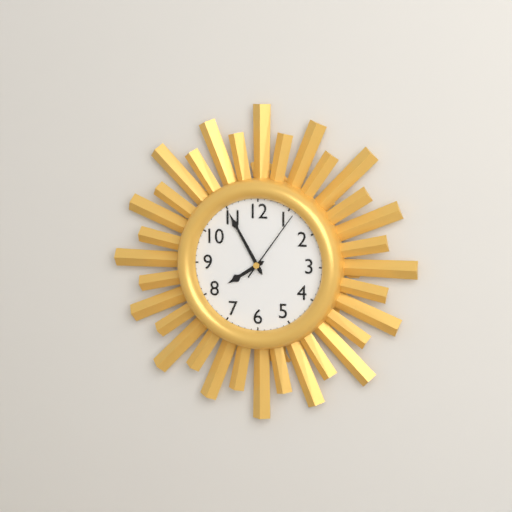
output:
7 h 55 min 06 s
